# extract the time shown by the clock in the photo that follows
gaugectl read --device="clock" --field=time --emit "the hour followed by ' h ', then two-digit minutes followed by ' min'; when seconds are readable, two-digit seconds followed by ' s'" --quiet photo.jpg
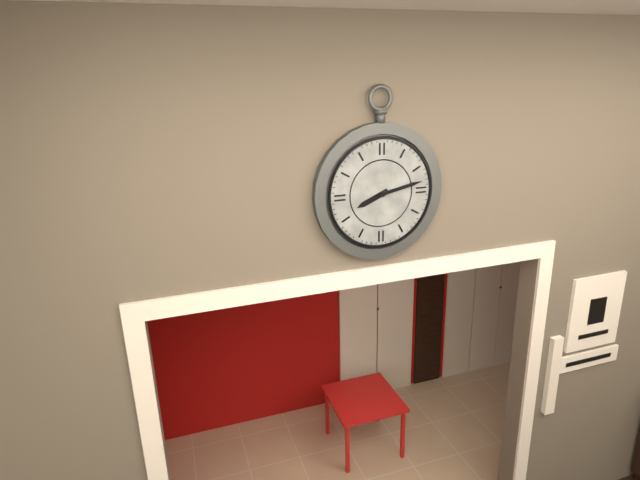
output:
8 h 13 min
